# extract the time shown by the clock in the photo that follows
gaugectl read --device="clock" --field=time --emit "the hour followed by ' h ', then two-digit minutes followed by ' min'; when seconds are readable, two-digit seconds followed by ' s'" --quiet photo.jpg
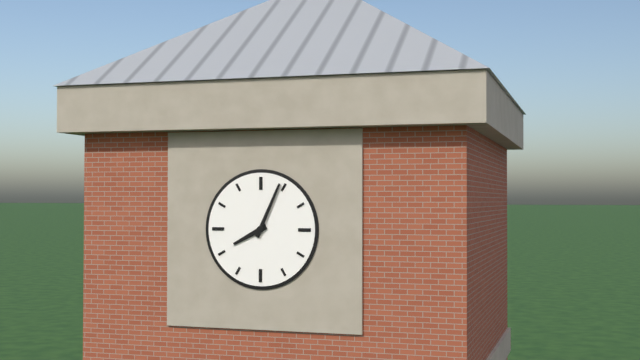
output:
8 h 04 min
